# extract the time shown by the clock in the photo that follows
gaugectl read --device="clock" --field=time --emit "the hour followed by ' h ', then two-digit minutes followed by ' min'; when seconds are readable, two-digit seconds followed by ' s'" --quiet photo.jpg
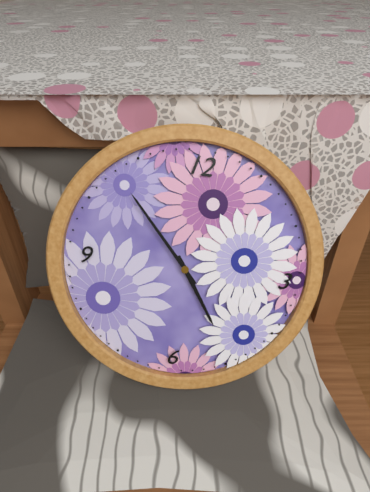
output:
4 h 53 min
